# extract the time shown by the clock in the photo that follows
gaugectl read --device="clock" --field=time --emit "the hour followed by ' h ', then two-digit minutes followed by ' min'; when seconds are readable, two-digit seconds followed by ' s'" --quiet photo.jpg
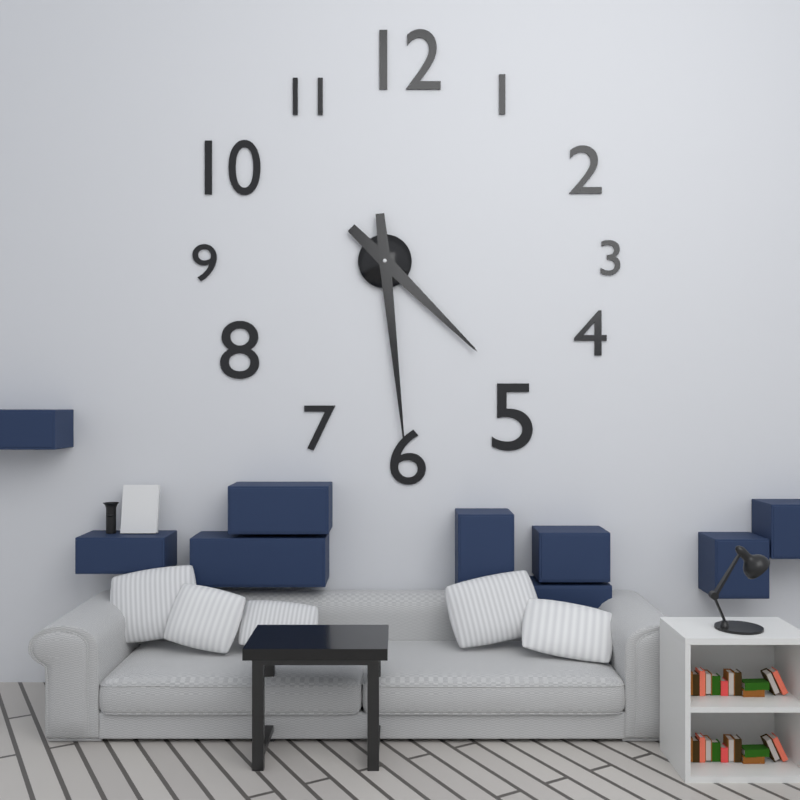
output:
4 h 29 min
